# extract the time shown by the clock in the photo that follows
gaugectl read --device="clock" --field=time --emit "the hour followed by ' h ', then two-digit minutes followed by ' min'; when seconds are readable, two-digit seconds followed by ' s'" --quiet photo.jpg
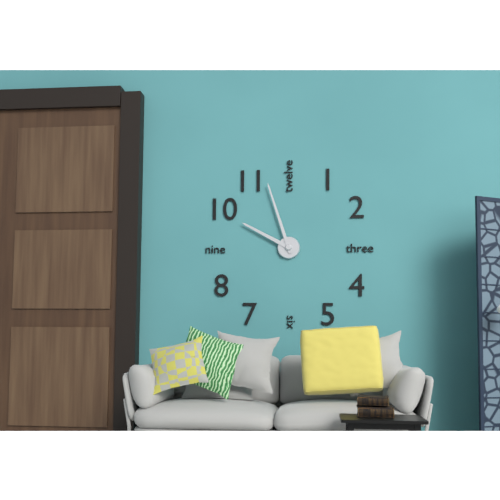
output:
9 h 57 min
